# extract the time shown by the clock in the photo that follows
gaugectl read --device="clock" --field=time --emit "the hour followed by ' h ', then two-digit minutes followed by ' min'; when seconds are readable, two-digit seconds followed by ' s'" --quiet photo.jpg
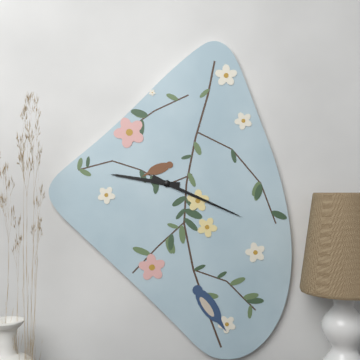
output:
9 h 19 min
